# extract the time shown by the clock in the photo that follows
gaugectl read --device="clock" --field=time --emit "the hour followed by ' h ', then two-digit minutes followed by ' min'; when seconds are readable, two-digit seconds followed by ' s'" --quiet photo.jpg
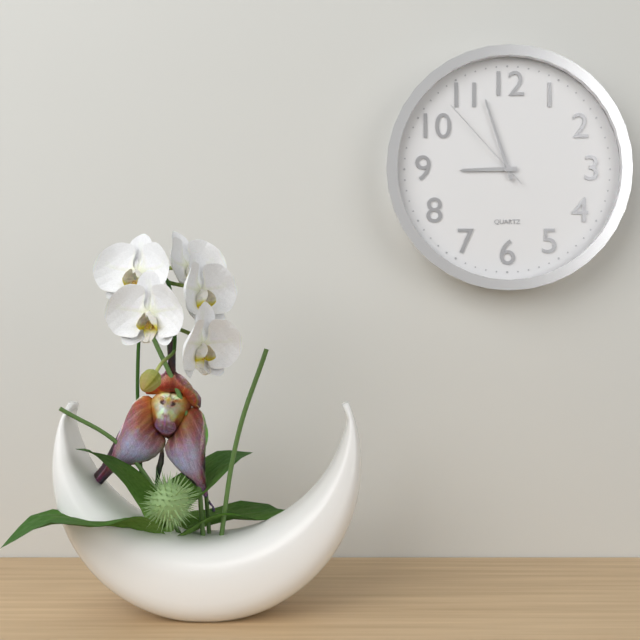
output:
8 h 57 min 53 s
